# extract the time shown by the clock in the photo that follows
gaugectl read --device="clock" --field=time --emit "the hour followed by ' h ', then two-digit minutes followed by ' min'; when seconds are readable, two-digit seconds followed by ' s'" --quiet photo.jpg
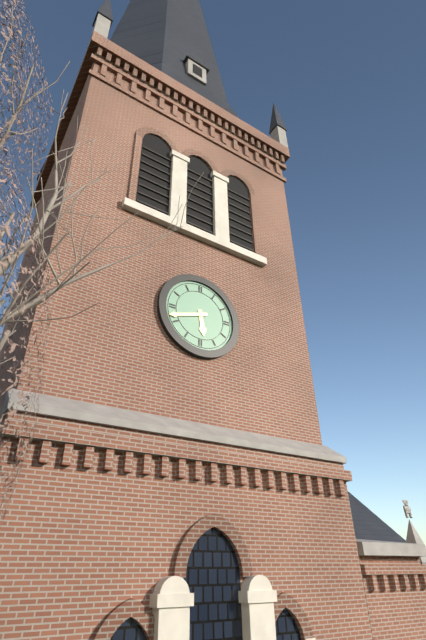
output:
5 h 42 min
